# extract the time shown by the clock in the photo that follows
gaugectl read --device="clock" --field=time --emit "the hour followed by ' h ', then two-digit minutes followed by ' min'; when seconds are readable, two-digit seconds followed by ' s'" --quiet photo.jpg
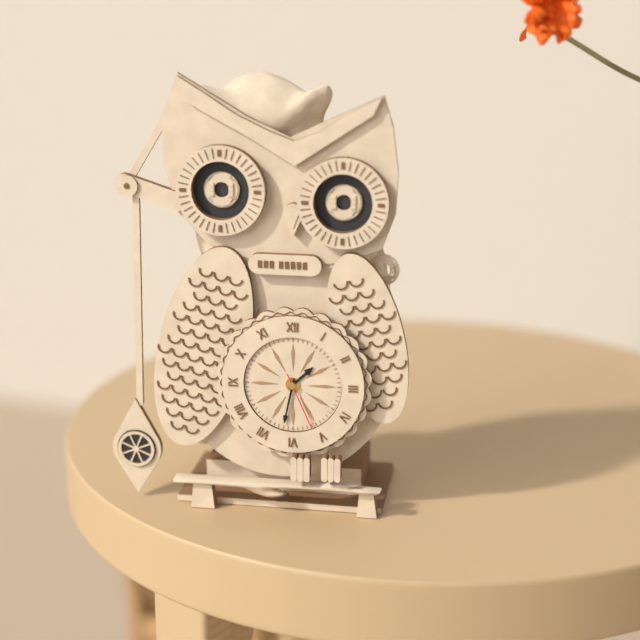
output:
1 h 32 min 26 s
